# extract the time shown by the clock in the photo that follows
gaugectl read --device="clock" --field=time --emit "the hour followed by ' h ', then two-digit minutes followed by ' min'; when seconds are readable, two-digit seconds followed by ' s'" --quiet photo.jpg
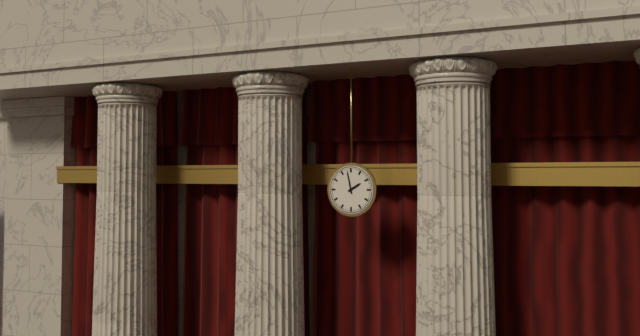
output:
1 h 58 min
